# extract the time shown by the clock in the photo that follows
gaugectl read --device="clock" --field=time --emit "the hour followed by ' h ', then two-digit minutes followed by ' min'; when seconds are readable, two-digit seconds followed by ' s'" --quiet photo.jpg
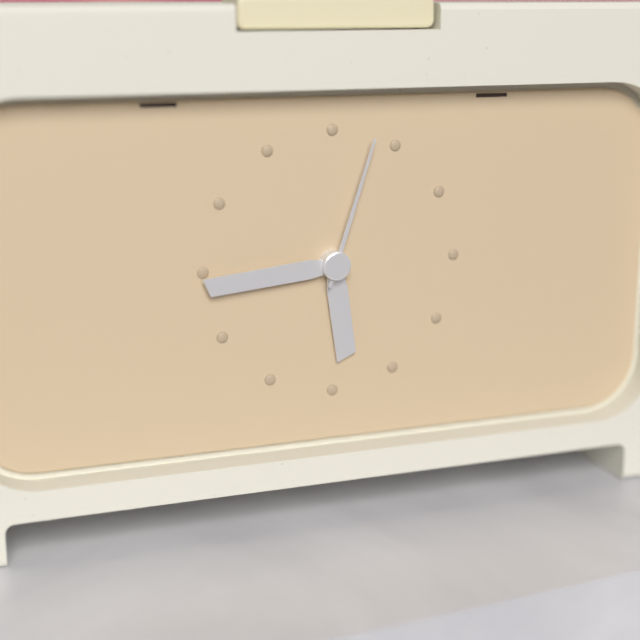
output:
5 h 44 min 03 s
